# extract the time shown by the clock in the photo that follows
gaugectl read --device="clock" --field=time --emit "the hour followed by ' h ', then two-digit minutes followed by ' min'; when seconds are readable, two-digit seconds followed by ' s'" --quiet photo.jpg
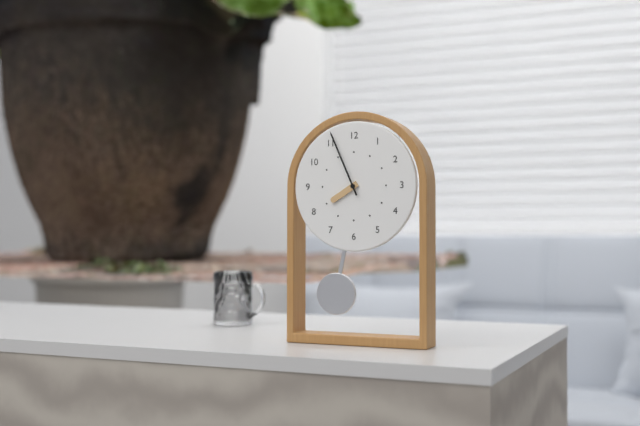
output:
7 h 56 min
